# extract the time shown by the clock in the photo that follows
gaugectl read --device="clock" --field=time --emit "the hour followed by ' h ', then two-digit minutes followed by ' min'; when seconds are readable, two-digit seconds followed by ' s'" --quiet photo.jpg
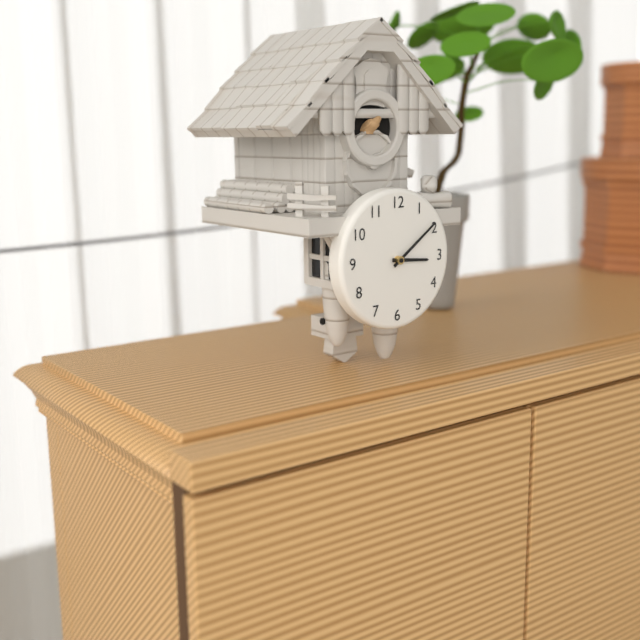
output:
3 h 09 min
